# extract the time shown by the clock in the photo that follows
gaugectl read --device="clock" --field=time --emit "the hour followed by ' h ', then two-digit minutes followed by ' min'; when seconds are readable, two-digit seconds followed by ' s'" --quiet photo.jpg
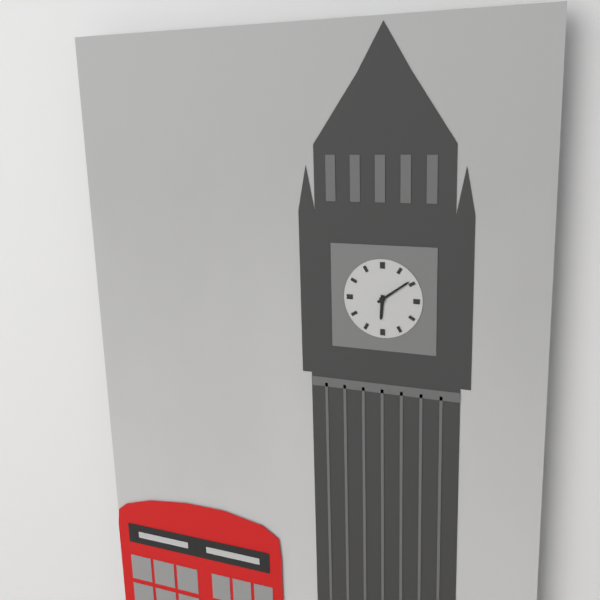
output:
6 h 09 min
